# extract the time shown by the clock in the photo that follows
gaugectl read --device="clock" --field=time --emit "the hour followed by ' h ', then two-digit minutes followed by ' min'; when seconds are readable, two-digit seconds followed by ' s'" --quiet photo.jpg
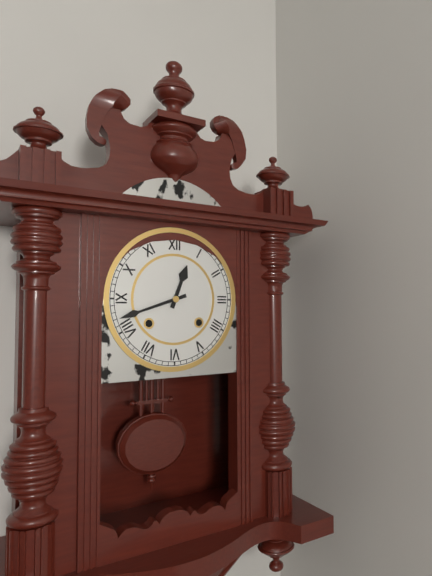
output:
12 h 42 min
